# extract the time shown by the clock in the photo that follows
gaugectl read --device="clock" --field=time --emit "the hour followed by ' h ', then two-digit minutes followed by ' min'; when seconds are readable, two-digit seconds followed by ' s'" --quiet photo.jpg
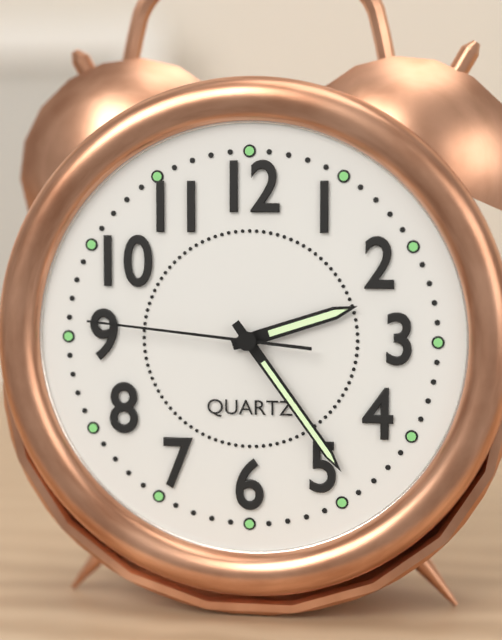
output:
2 h 24 min 46 s
